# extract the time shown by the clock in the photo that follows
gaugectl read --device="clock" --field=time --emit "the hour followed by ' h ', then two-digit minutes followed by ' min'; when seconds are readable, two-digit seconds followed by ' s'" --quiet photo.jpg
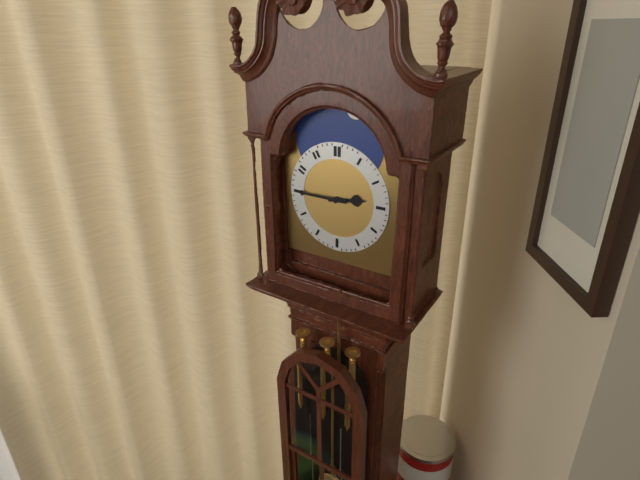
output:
2 h 45 min
